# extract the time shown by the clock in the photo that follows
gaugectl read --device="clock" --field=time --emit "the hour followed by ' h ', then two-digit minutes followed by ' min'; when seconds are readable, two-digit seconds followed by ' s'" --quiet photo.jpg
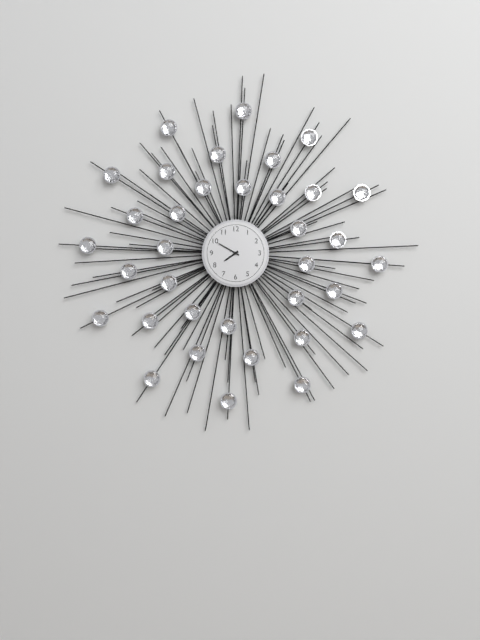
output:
7 h 50 min
